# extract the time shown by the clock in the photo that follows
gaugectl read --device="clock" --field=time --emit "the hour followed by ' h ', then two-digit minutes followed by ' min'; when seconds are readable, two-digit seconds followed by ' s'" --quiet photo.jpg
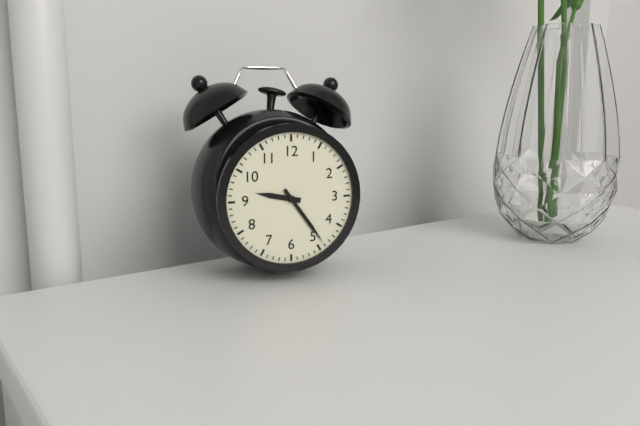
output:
9 h 24 min
